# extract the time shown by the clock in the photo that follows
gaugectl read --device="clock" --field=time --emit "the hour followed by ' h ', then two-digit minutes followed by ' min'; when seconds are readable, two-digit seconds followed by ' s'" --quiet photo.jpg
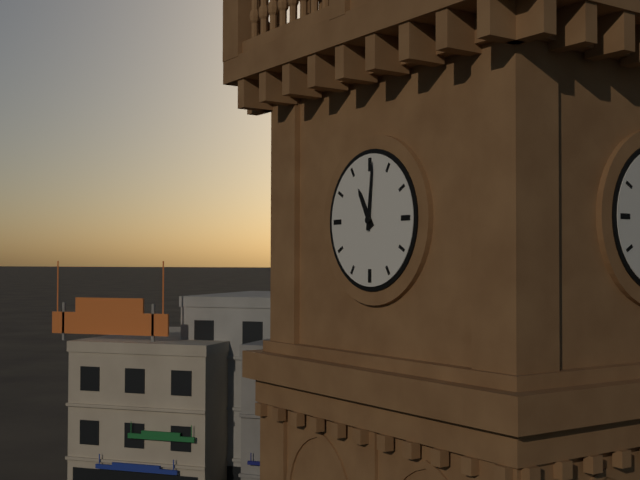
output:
11 h 01 min
